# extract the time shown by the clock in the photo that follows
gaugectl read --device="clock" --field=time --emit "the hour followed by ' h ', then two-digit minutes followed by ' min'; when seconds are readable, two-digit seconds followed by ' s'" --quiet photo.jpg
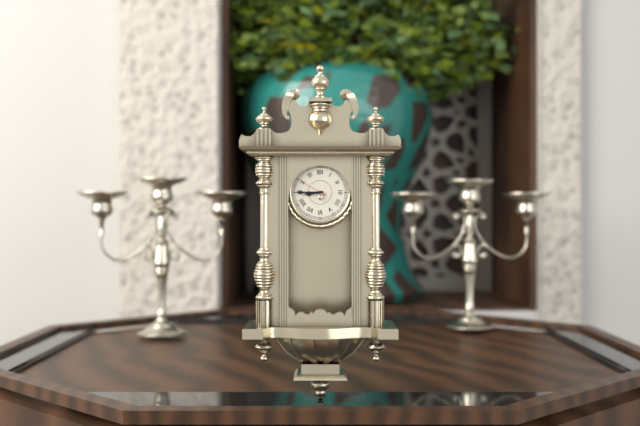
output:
8 h 45 min
